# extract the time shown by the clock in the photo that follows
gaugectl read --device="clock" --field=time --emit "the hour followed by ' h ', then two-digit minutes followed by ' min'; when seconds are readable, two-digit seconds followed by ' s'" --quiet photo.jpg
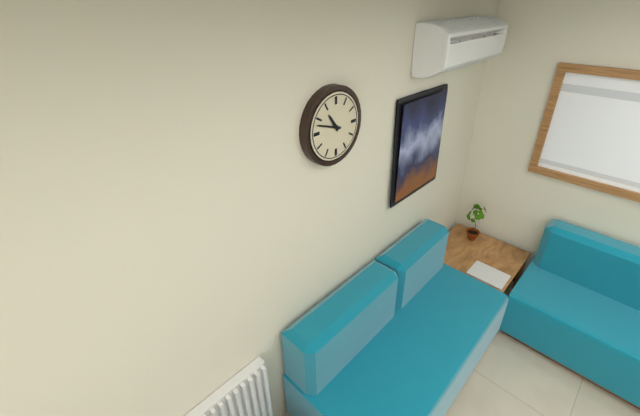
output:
10 h 48 min
